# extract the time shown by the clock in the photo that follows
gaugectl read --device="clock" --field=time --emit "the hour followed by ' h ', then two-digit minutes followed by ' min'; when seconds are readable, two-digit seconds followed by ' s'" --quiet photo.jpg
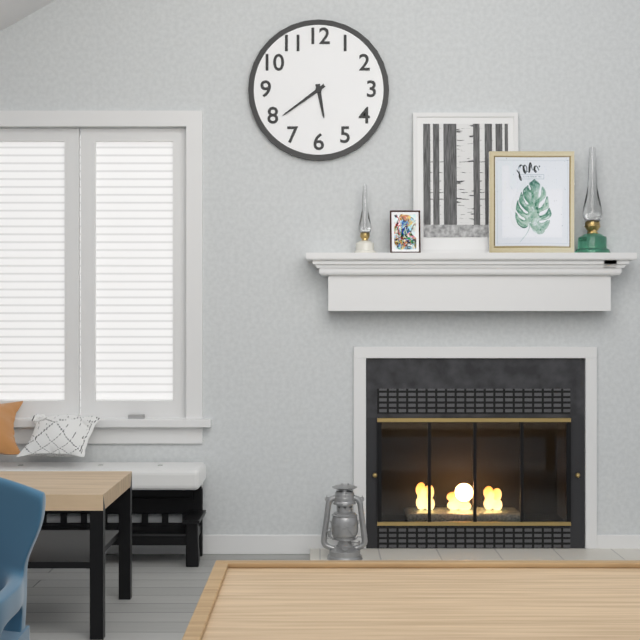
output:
5 h 39 min
